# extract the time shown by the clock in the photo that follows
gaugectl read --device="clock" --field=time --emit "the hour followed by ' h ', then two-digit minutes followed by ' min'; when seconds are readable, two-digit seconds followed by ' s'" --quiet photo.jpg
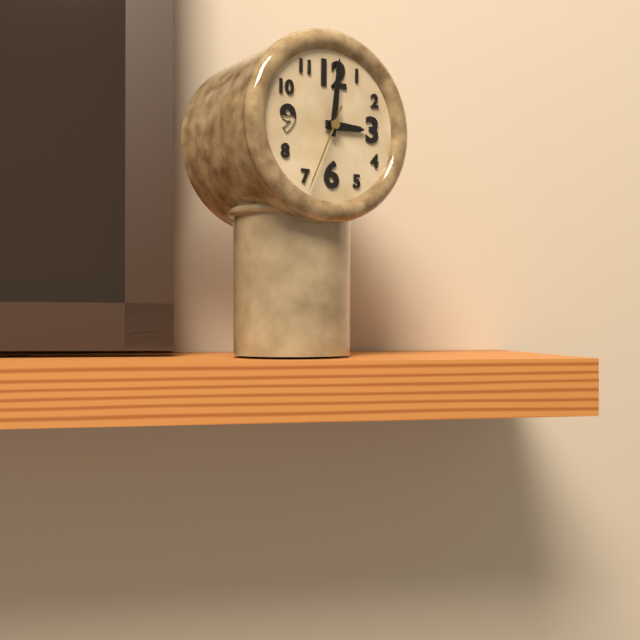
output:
3 h 01 min 34 s
